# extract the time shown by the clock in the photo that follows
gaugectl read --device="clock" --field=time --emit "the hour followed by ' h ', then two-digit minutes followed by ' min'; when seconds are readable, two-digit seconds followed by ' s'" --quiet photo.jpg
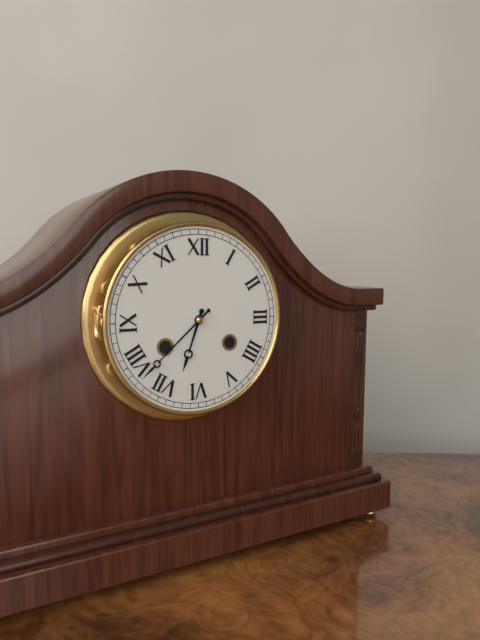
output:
6 h 38 min
